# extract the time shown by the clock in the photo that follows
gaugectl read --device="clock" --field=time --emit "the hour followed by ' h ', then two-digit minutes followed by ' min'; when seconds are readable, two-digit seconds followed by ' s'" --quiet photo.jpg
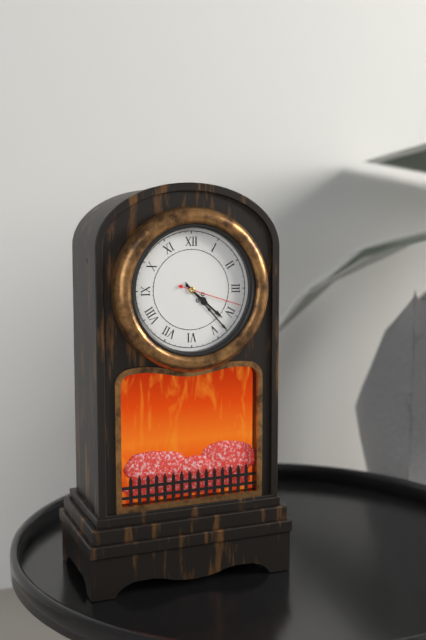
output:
4 h 23 min 18 s
